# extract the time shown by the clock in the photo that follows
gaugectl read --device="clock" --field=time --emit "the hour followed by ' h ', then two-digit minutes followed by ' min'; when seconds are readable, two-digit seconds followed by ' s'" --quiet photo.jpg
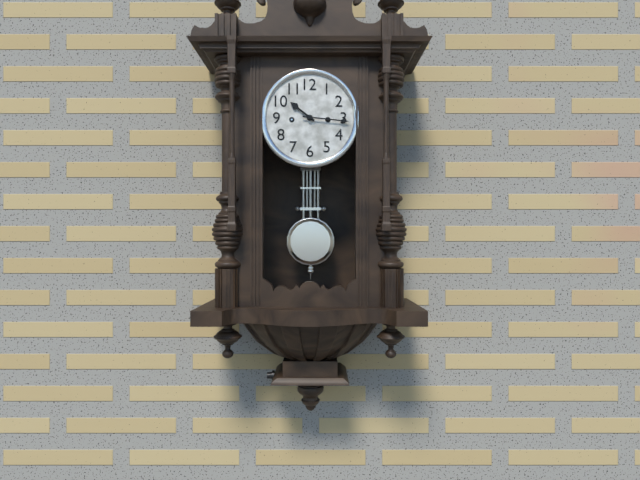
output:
10 h 16 min
